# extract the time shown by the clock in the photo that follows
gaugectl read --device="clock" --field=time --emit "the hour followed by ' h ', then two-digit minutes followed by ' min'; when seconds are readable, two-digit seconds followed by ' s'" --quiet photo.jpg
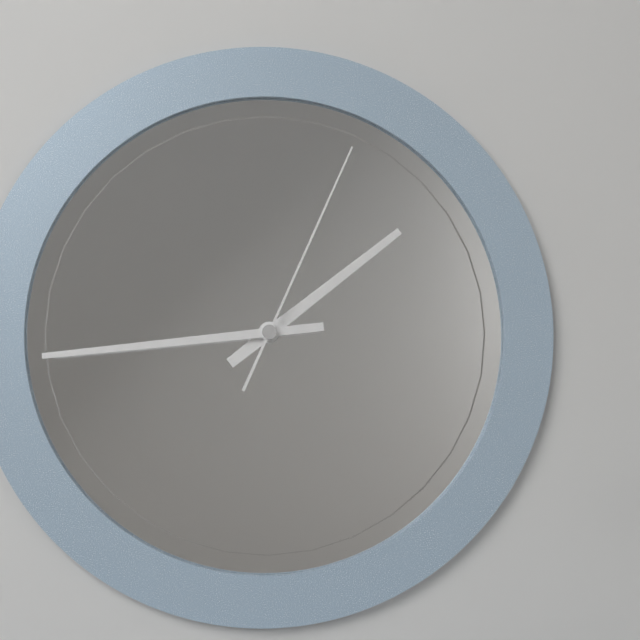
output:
1 h 44 min 04 s
